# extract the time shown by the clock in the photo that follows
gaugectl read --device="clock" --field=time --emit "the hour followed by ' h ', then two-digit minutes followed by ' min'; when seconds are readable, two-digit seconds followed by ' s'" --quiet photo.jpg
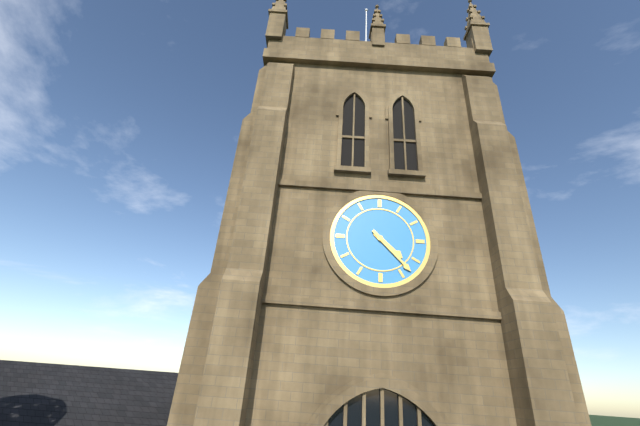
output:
4 h 23 min
